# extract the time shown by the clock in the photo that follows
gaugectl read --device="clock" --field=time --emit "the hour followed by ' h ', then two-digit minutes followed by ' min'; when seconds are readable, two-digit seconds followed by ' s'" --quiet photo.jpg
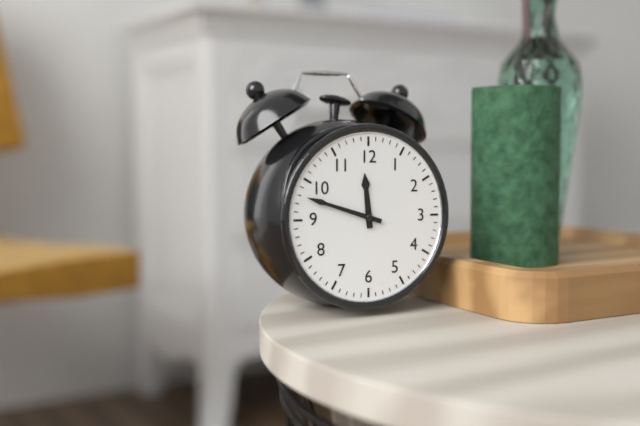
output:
11 h 48 min
